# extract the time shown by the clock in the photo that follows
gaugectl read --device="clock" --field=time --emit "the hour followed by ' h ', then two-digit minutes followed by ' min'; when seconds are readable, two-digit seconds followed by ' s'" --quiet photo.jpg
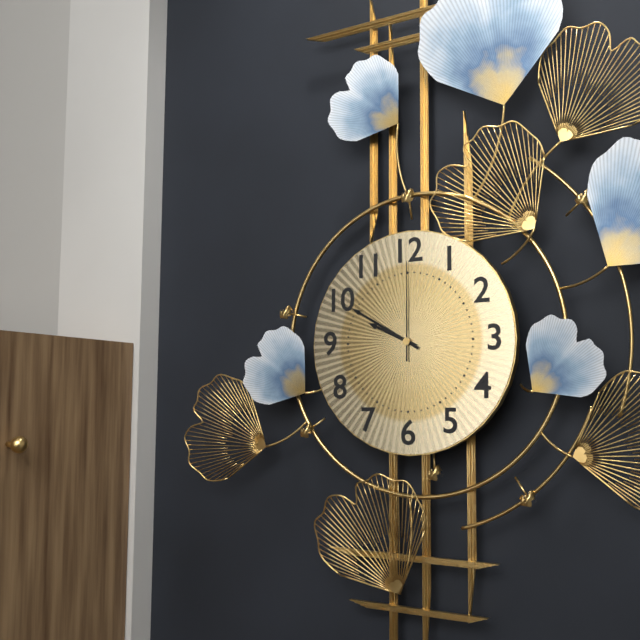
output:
9 h 50 min 00 s
